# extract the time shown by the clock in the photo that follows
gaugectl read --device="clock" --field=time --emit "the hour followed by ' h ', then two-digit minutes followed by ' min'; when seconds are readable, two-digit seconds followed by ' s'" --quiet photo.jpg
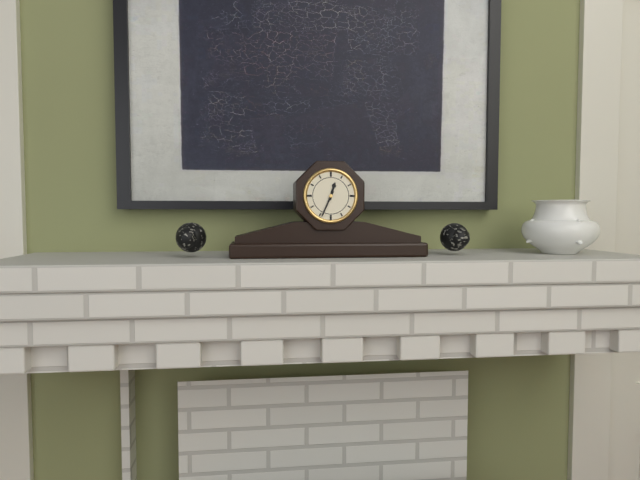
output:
12 h 34 min
